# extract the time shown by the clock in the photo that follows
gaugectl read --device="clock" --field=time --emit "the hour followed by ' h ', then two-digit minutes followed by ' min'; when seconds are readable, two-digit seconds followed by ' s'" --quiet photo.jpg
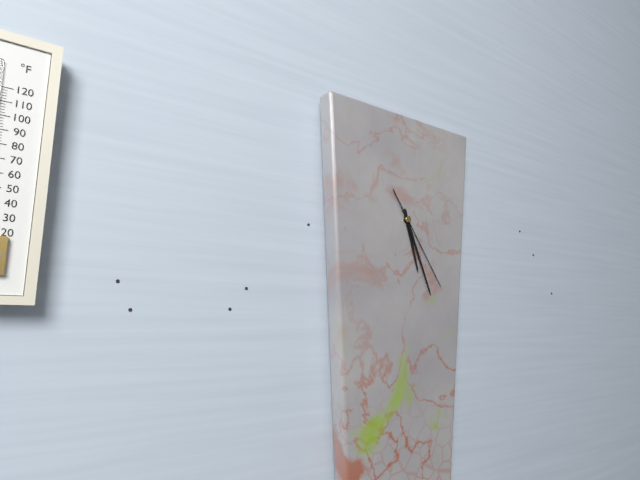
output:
5 h 26 min 24 s
